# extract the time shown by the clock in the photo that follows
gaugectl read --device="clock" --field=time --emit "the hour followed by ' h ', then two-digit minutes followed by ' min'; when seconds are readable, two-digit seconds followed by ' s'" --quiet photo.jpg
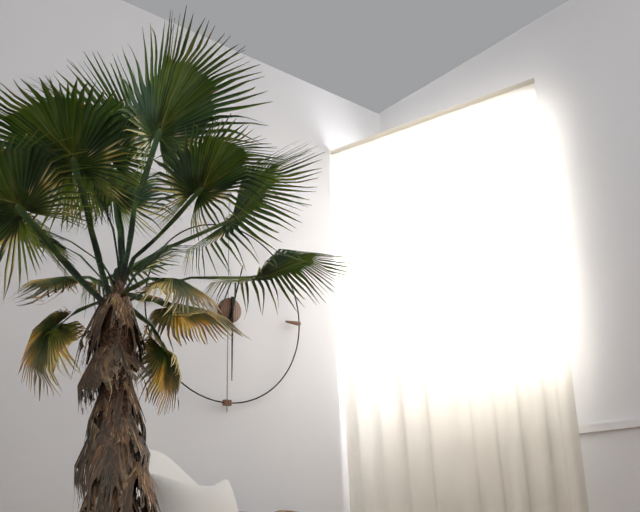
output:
12 h 30 min
